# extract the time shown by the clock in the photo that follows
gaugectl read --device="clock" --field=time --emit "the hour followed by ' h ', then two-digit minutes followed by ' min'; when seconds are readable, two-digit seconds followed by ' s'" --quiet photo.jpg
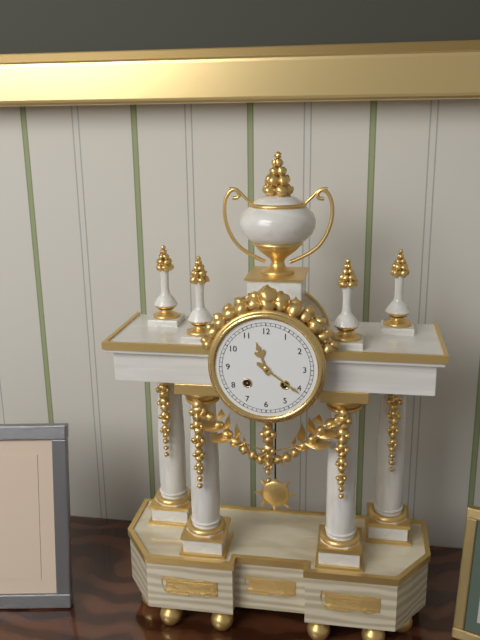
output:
11 h 21 min
